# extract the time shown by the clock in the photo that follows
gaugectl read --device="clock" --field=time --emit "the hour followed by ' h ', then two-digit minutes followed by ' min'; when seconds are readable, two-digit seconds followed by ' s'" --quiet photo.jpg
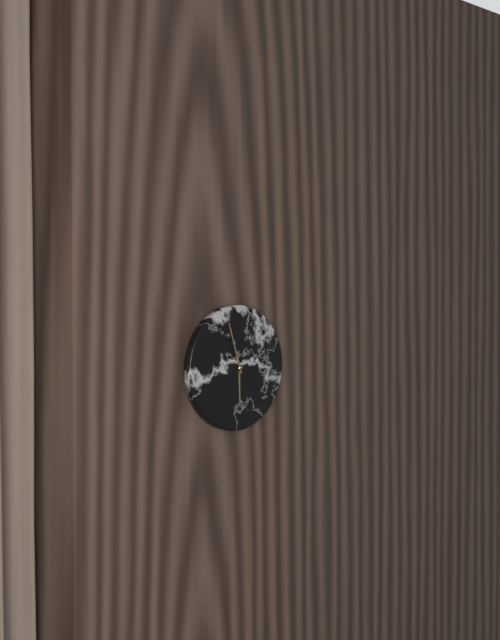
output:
5 h 57 min
